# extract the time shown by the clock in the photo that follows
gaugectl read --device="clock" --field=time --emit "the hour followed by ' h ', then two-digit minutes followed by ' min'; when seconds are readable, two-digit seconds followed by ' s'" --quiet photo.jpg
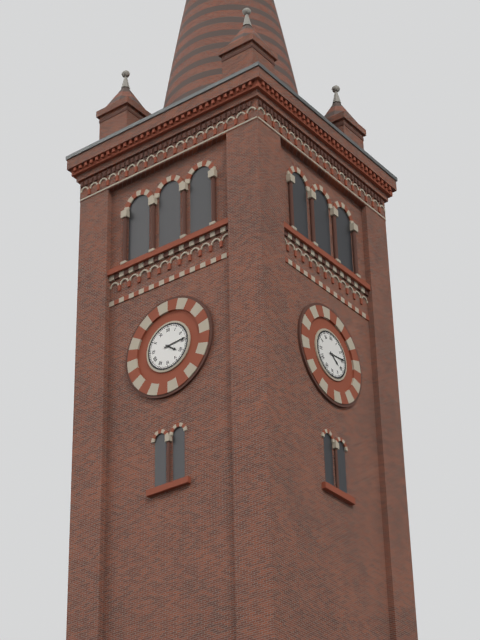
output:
4 h 14 min
